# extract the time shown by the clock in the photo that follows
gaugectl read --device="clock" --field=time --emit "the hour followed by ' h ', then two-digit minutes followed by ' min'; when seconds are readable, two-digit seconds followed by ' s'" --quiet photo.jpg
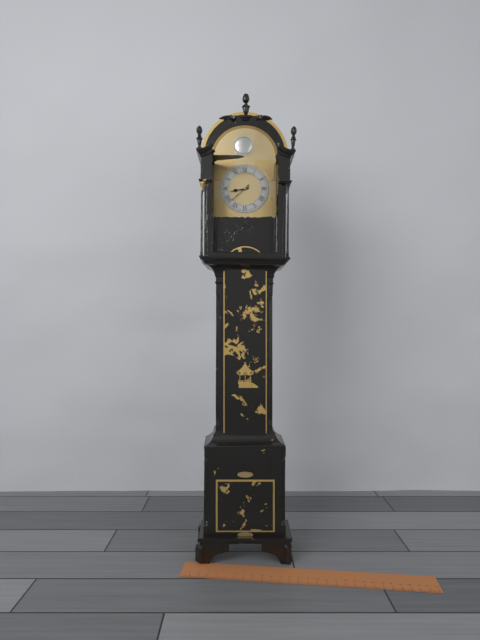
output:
8 h 38 min
